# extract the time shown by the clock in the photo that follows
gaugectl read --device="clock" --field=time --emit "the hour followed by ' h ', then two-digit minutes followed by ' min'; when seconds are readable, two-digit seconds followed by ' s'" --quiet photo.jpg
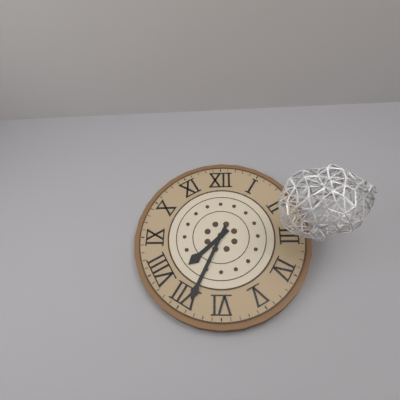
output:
7 h 34 min
